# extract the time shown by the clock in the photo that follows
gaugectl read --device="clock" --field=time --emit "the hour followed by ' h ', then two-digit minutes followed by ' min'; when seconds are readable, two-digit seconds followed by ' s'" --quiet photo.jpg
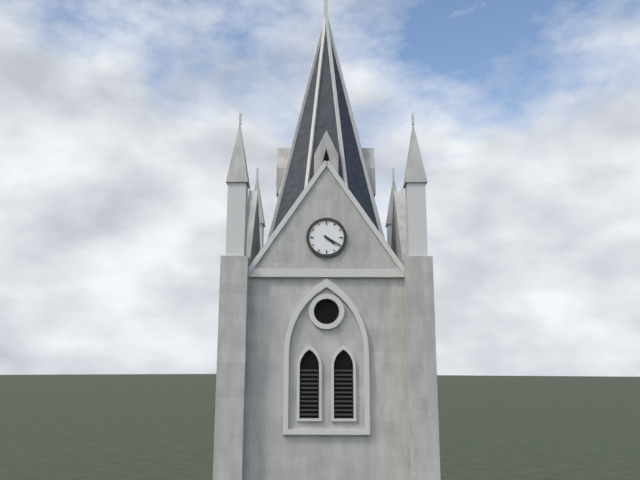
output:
4 h 20 min
